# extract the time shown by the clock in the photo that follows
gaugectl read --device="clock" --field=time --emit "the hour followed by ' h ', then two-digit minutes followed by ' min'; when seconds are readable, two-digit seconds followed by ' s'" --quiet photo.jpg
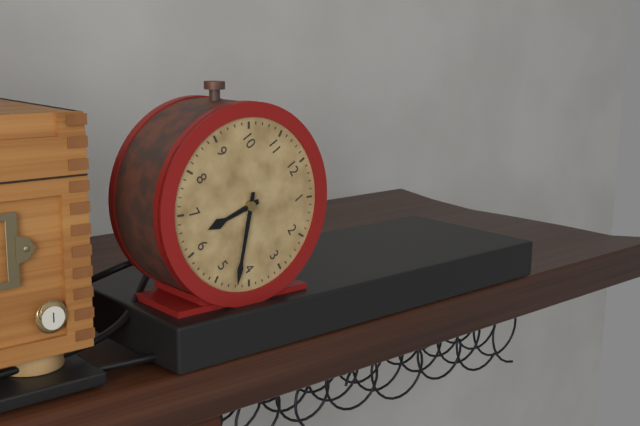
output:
6 h 22 min
